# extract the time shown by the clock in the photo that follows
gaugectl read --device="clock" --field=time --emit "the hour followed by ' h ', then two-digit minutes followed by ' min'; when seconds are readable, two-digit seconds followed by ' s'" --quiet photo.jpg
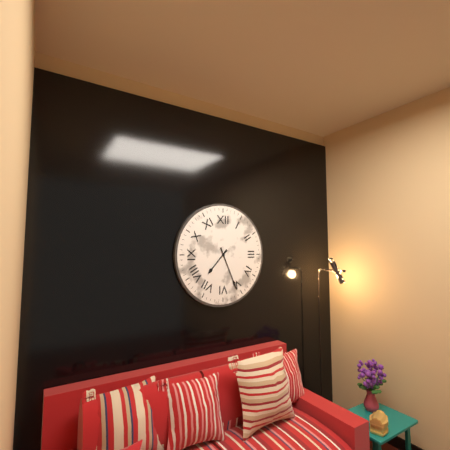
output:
7 h 26 min
